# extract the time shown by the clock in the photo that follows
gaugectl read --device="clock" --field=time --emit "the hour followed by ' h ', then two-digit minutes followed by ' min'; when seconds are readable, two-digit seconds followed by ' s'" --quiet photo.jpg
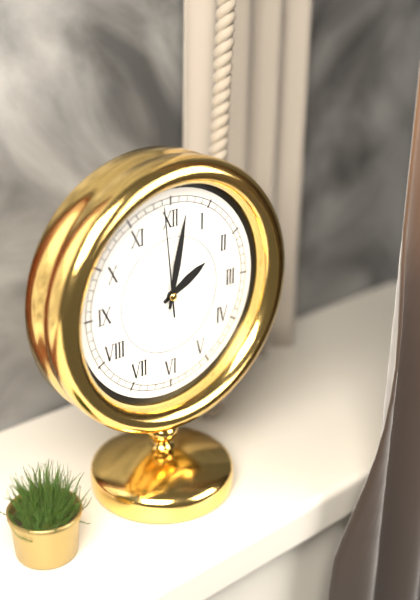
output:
2 h 02 min 59 s
